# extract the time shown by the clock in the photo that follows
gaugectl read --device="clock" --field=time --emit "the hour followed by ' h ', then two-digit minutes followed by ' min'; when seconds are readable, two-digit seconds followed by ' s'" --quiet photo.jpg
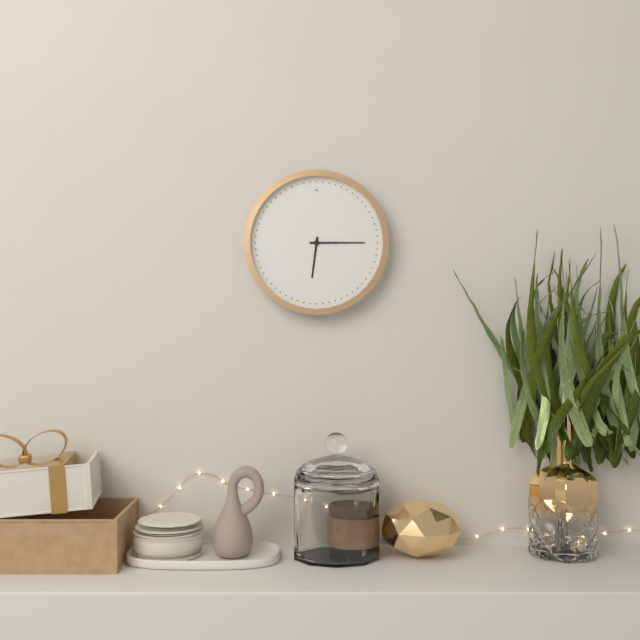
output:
6 h 15 min
